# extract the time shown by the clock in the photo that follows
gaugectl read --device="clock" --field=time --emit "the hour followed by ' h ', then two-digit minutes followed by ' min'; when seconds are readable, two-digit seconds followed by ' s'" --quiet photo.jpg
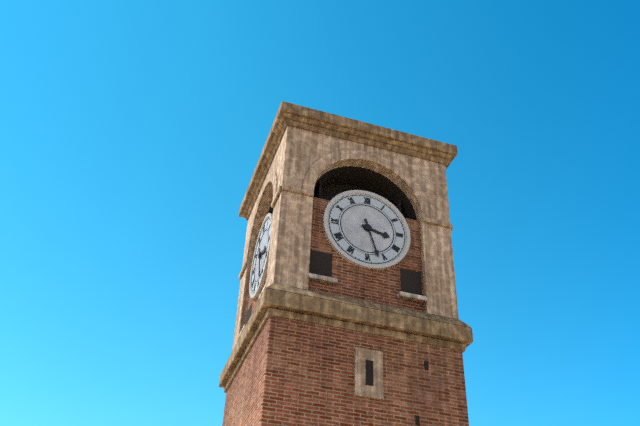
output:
3 h 27 min
